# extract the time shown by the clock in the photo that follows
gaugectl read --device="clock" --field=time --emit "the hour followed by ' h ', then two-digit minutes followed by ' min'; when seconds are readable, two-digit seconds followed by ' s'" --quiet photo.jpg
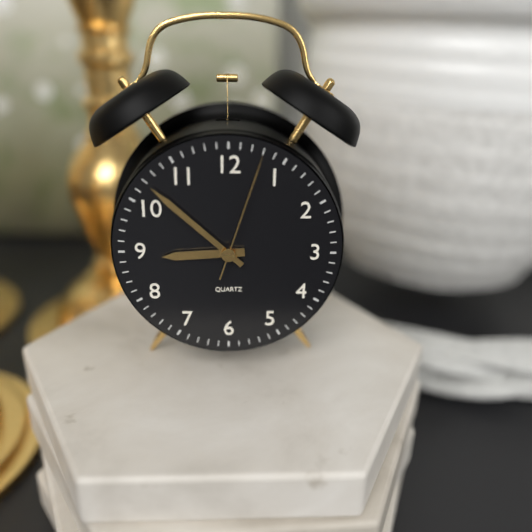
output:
8 h 52 min 03 s
